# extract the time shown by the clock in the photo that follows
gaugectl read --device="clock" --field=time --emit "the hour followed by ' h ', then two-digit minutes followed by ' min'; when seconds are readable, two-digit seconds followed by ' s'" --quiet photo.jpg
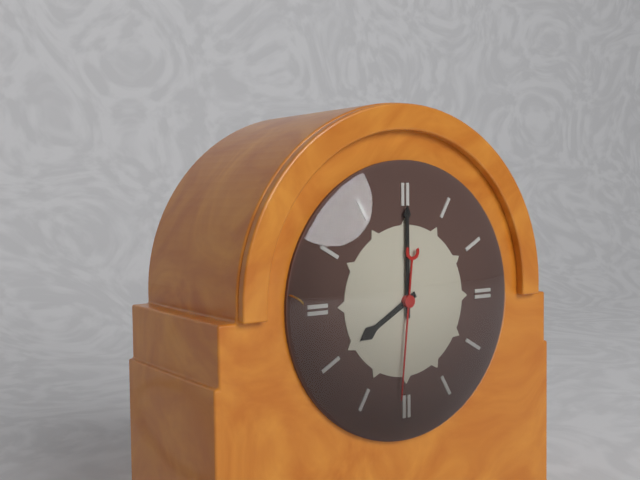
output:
8 h 00 min 31 s
